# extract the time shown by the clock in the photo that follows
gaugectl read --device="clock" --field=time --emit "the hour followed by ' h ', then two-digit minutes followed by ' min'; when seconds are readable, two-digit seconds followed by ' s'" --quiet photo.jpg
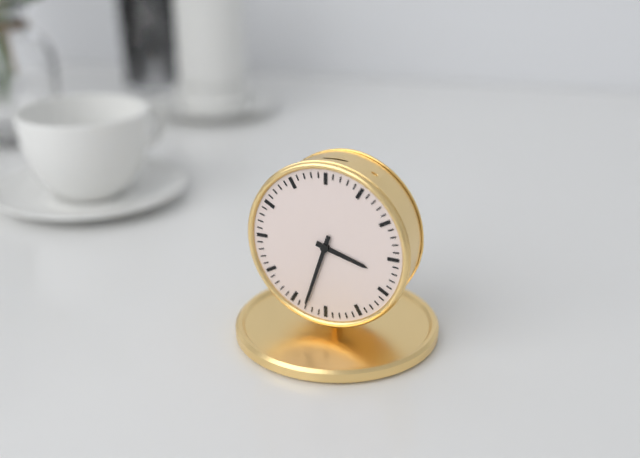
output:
3 h 33 min
